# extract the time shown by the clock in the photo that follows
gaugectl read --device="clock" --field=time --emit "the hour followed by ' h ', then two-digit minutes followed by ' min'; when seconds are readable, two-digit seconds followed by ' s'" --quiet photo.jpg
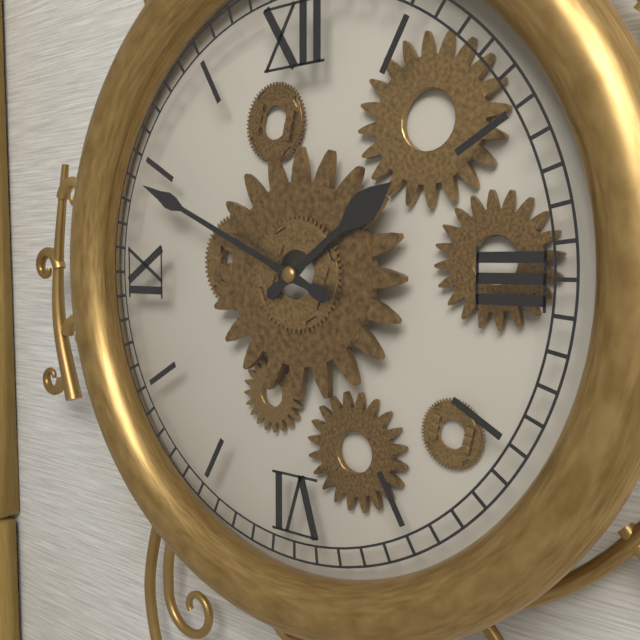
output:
1 h 49 min
